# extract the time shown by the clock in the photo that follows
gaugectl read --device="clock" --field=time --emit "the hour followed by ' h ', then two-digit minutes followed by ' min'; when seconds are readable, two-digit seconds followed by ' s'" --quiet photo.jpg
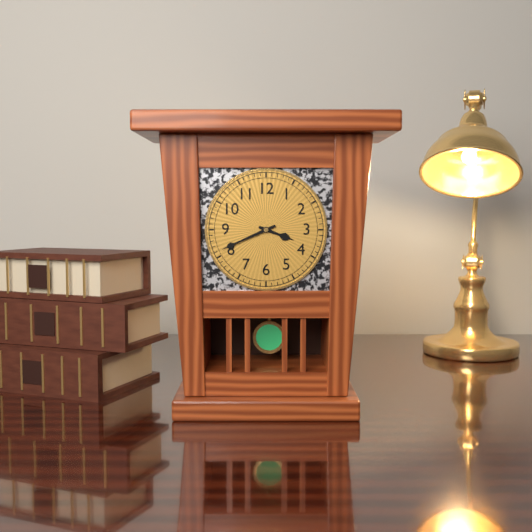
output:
3 h 41 min
